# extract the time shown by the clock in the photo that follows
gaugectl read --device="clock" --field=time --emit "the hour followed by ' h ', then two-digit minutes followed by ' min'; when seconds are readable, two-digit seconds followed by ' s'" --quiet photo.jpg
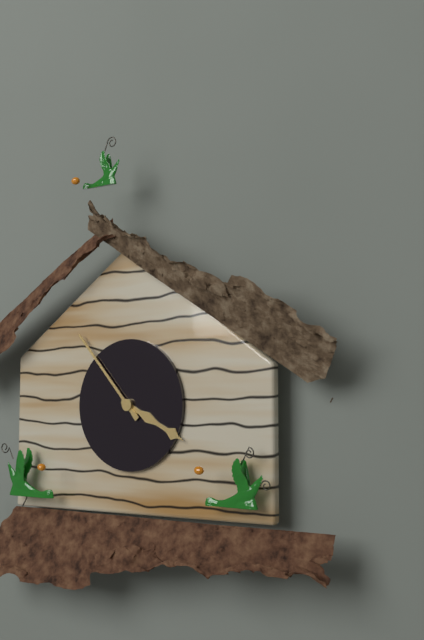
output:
3 h 53 min
